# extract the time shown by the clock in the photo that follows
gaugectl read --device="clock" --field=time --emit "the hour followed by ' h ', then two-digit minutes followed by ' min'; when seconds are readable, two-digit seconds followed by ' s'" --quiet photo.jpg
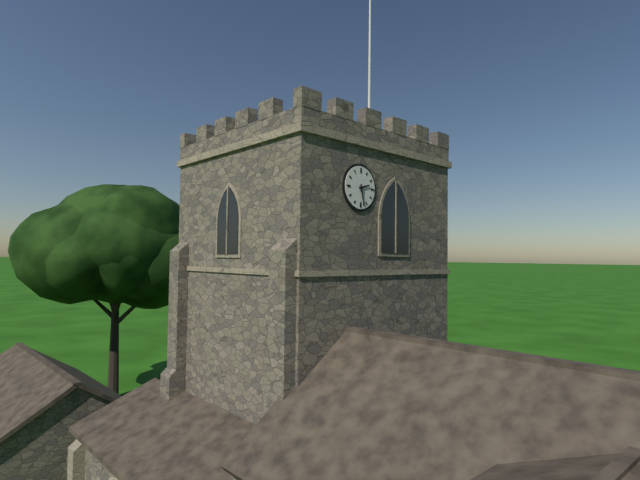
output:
2 h 28 min
